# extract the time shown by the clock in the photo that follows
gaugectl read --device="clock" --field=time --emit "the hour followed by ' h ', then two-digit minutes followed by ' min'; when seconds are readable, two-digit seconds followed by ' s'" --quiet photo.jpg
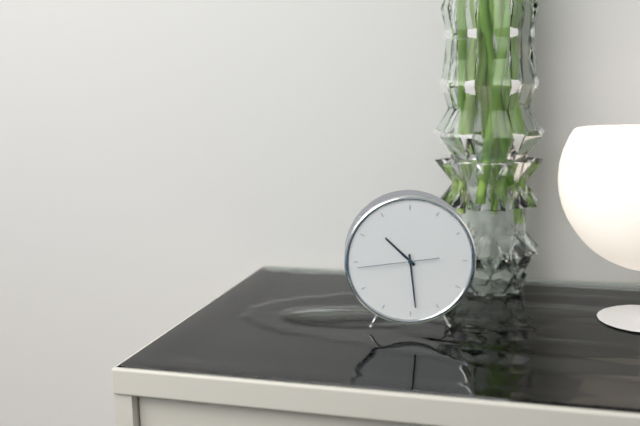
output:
10 h 29 min 44 s
